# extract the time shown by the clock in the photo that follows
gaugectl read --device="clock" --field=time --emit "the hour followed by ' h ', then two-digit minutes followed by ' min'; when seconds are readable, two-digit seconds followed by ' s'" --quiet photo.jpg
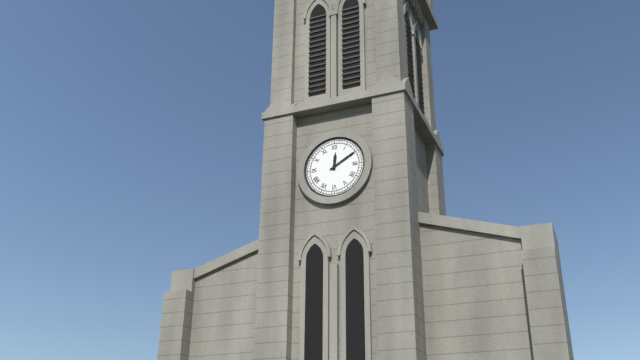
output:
12 h 10 min
